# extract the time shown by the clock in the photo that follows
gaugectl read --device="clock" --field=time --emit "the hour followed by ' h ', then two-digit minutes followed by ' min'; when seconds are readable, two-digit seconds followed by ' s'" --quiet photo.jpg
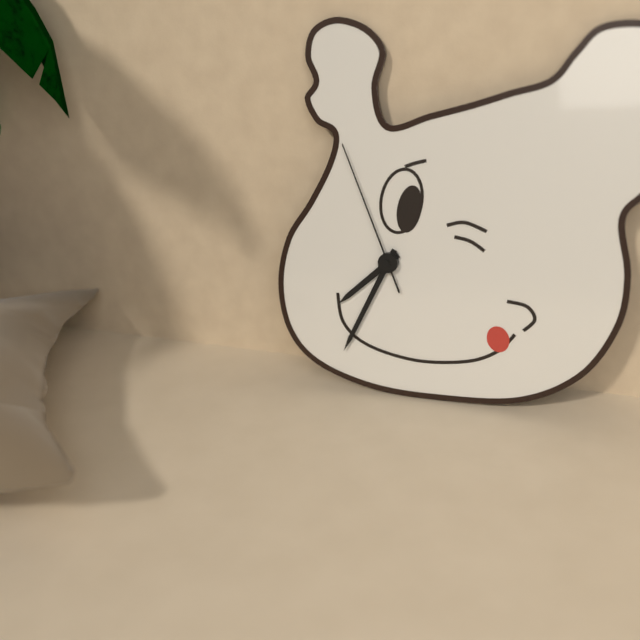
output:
7 h 34 min 56 s
